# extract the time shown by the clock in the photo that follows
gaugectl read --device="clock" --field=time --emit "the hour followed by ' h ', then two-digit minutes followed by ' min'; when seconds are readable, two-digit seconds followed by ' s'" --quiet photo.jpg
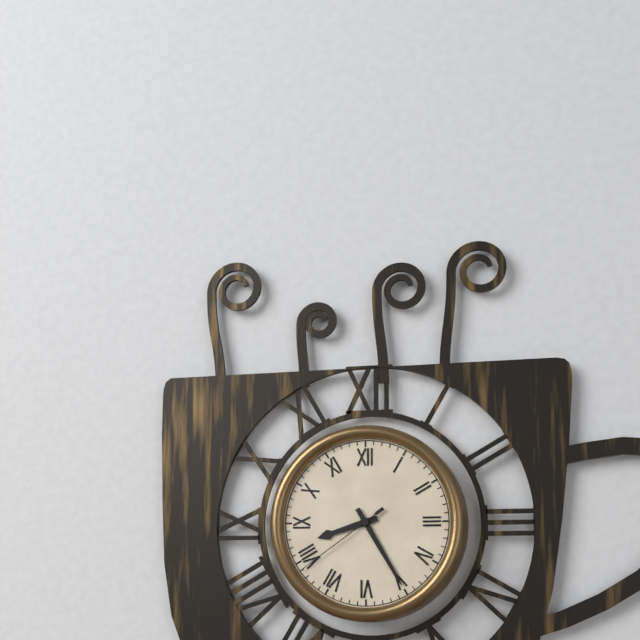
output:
8 h 25 min 39 s
